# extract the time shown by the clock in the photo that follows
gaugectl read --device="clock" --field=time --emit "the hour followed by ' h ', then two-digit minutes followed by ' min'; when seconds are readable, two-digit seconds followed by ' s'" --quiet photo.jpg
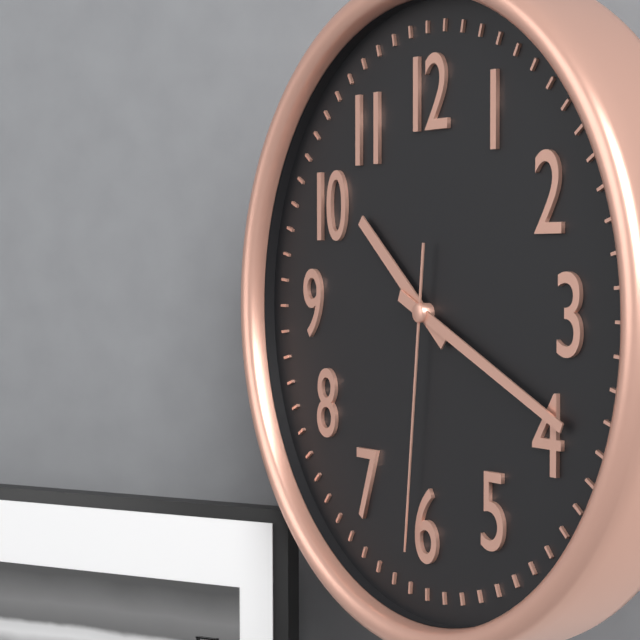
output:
10 h 19 min 31 s
